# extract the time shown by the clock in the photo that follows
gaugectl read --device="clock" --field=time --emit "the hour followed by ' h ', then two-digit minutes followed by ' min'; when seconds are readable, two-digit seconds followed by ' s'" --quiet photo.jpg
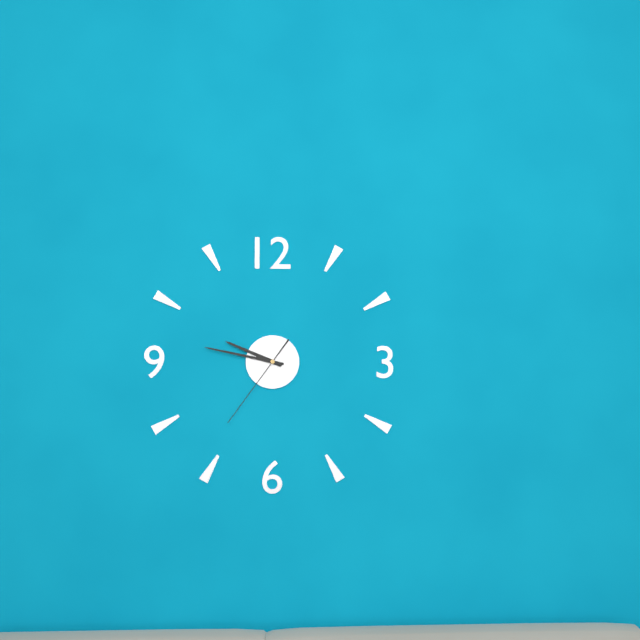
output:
9 h 47 min 36 s
